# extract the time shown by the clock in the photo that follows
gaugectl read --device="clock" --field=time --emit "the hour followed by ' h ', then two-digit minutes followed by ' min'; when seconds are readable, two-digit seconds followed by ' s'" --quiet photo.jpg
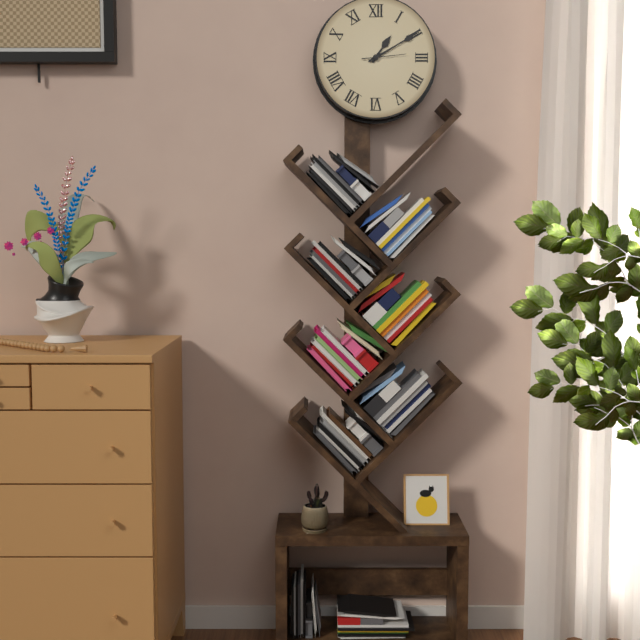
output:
1 h 10 min
